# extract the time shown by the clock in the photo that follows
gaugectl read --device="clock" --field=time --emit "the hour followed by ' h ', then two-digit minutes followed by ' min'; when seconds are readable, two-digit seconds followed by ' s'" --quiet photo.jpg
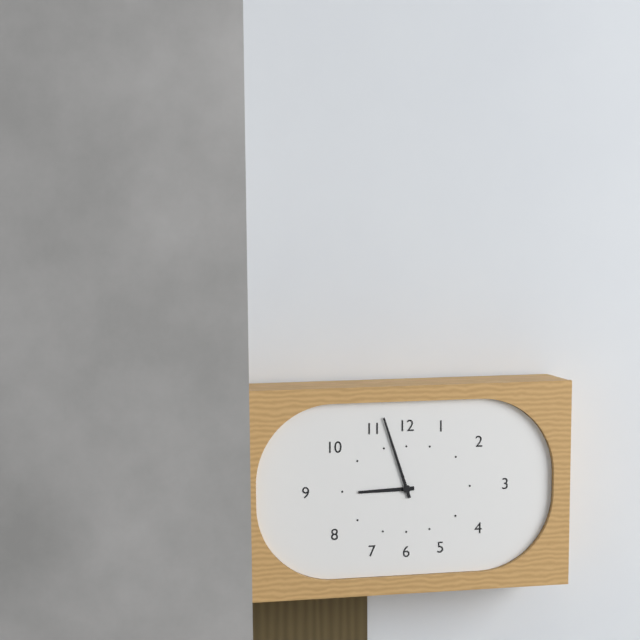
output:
8 h 57 min
